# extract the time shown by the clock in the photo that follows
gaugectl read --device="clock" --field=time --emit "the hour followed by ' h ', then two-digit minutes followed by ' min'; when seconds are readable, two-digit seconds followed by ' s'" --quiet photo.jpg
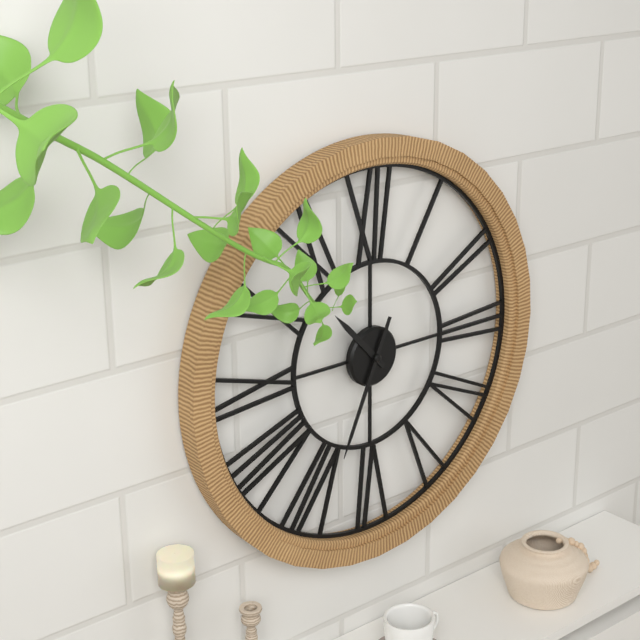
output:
10 h 34 min
